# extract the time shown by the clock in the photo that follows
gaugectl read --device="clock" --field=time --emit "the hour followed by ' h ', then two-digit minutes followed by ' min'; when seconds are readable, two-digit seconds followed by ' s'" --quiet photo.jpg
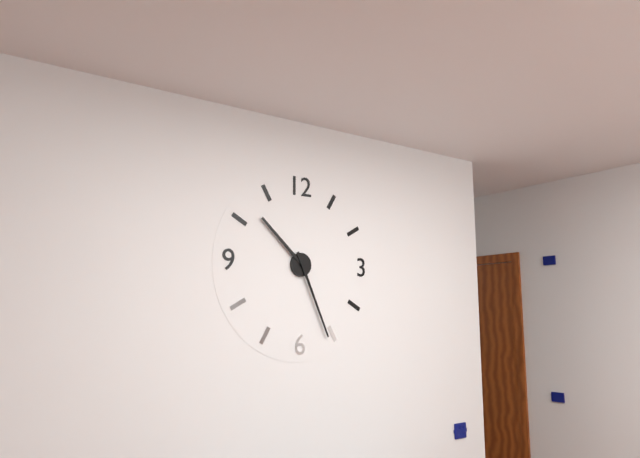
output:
10 h 26 min
